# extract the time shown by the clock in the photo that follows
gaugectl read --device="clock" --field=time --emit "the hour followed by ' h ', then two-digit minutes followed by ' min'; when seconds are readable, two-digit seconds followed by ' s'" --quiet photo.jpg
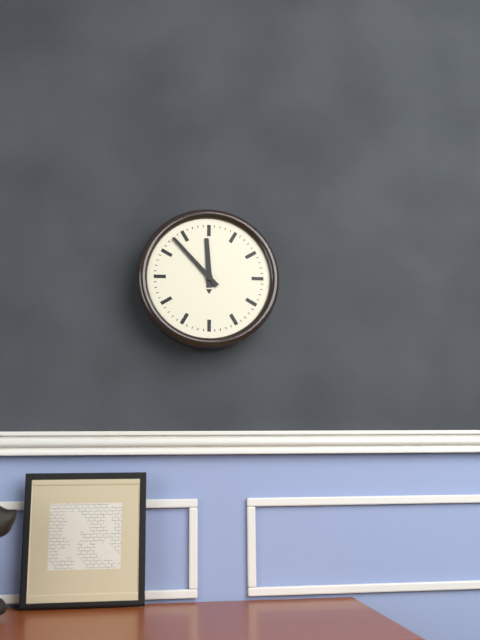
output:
11 h 53 min
